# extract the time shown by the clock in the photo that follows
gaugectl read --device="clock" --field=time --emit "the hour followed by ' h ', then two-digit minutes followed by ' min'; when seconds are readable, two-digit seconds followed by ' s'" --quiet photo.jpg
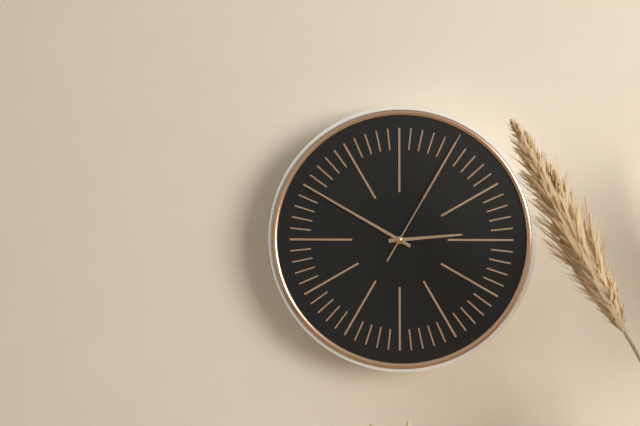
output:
2 h 50 min 05 s
